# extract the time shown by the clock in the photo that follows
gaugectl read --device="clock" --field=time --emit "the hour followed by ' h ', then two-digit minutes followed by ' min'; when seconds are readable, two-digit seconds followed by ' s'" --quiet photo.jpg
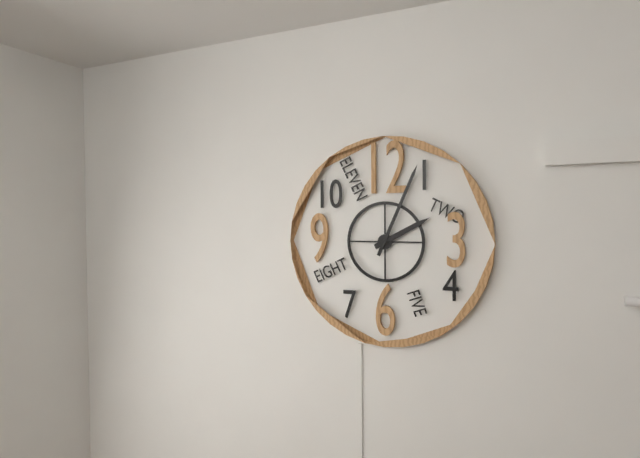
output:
2 h 04 min
